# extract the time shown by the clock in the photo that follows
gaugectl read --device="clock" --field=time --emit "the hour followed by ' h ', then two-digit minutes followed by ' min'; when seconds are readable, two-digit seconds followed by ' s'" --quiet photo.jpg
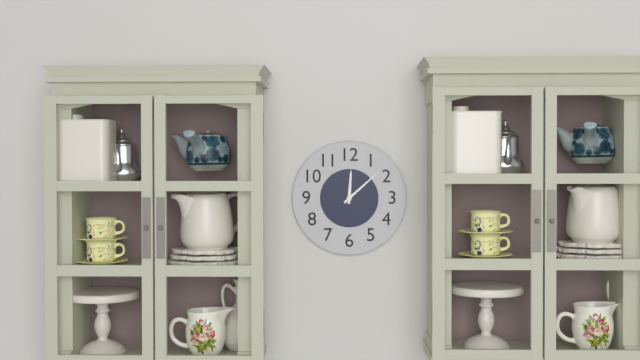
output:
12 h 08 min
